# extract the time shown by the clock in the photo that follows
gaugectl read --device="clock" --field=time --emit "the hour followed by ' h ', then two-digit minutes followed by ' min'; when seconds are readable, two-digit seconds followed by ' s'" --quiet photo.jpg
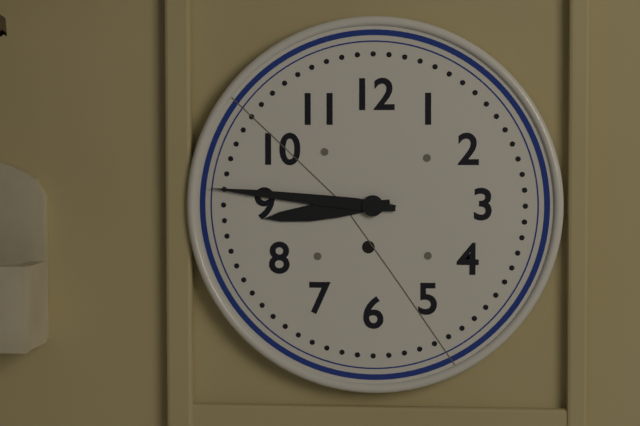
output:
8 h 46 min
